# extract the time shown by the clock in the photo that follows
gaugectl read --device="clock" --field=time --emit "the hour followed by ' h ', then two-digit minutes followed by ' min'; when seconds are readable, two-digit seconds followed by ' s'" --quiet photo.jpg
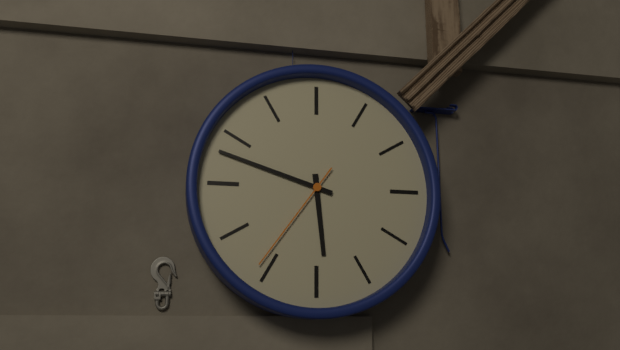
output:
5 h 48 min 36 s
